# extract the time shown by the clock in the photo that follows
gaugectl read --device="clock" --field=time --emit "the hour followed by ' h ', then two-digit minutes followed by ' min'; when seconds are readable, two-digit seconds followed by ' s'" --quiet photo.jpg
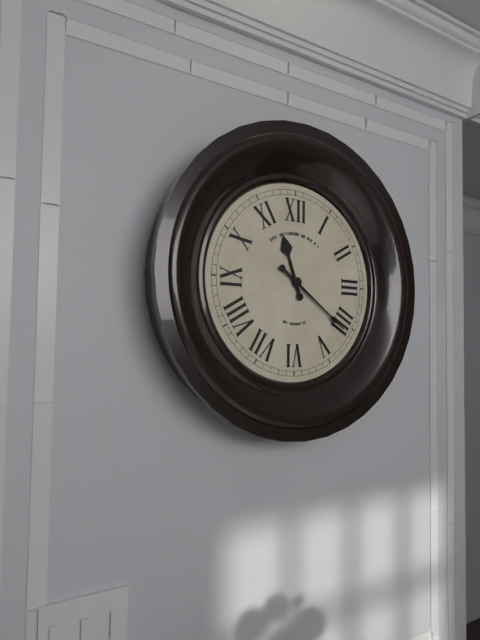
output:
11 h 21 min
